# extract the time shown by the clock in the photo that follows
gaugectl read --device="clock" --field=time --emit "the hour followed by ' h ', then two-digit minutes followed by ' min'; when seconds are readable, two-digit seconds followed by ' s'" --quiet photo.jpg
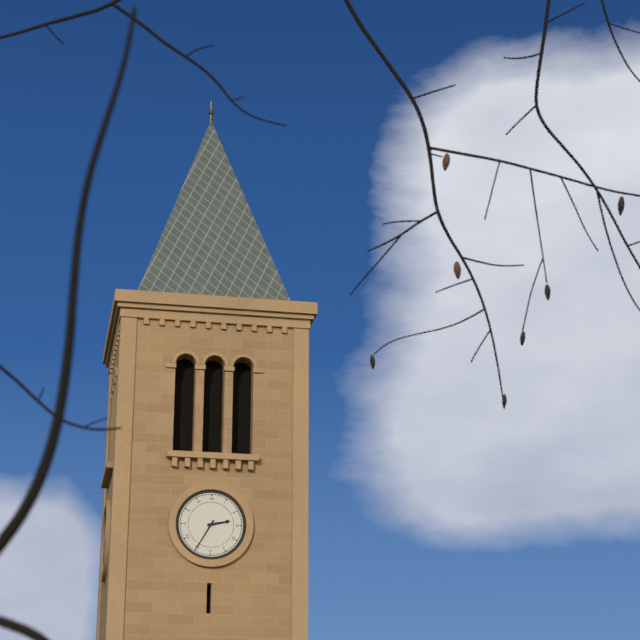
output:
2 h 35 min
